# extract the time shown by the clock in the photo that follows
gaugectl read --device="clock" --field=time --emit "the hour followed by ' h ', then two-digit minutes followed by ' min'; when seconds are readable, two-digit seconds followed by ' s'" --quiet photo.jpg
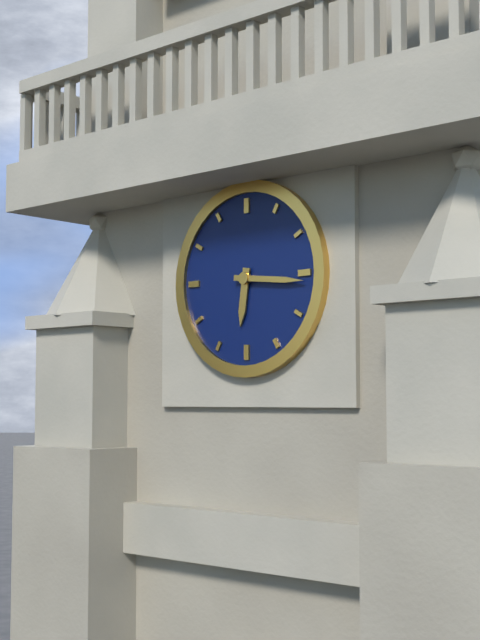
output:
6 h 16 min
